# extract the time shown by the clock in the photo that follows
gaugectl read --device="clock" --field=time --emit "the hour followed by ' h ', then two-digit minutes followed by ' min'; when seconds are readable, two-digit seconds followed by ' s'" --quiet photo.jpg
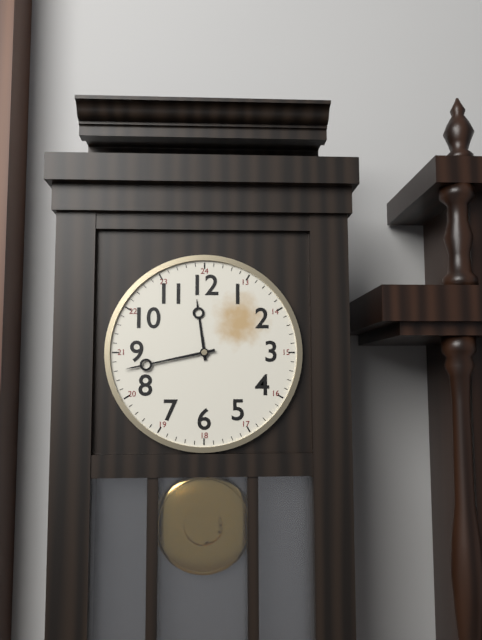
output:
11 h 43 min
